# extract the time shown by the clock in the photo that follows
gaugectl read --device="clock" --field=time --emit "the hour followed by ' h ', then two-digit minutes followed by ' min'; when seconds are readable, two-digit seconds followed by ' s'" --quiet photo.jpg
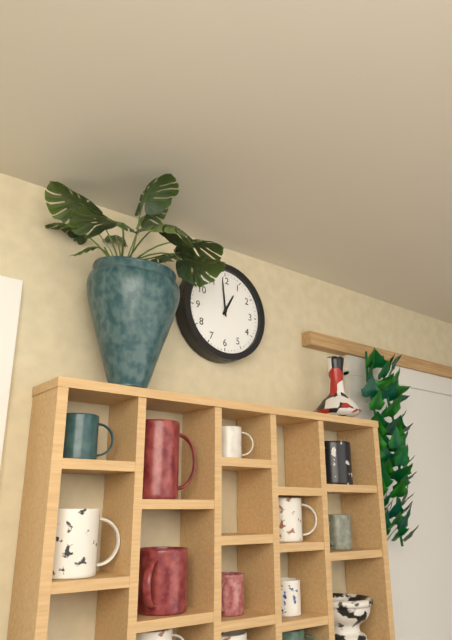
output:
12 h 59 min
